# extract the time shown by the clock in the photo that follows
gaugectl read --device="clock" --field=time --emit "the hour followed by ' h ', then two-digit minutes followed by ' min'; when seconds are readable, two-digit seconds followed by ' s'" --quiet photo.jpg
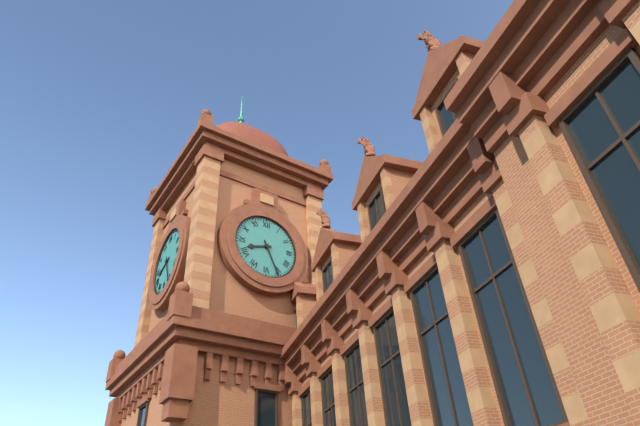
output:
8 h 26 min
